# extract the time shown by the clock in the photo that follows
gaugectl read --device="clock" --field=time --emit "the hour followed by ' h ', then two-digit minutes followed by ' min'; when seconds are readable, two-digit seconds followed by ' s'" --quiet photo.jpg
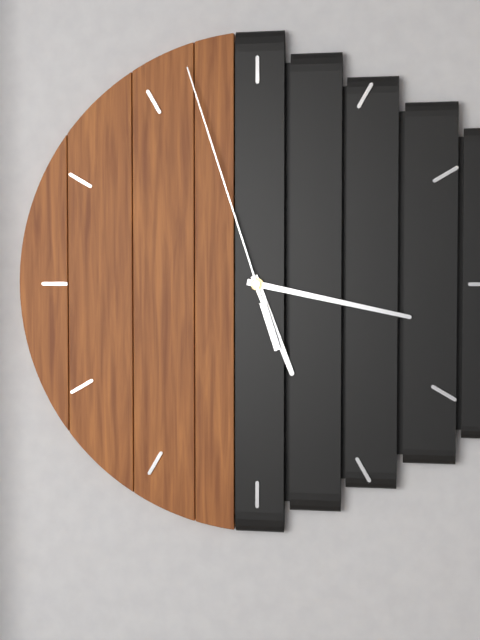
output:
5 h 17 min 57 s
